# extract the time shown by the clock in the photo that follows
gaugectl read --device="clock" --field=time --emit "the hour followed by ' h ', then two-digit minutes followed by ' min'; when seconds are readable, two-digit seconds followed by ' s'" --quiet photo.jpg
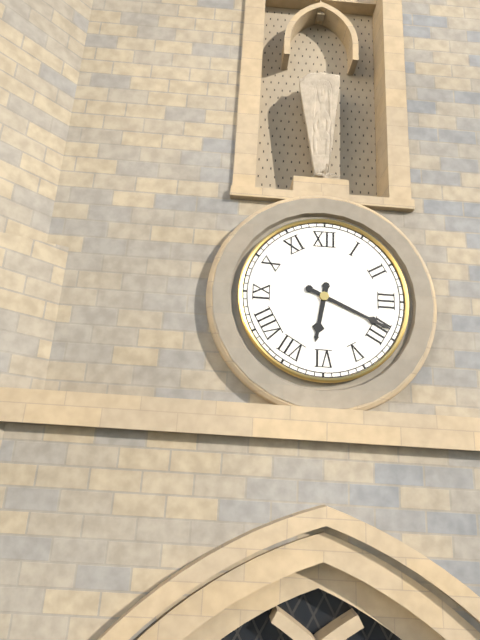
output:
6 h 19 min
